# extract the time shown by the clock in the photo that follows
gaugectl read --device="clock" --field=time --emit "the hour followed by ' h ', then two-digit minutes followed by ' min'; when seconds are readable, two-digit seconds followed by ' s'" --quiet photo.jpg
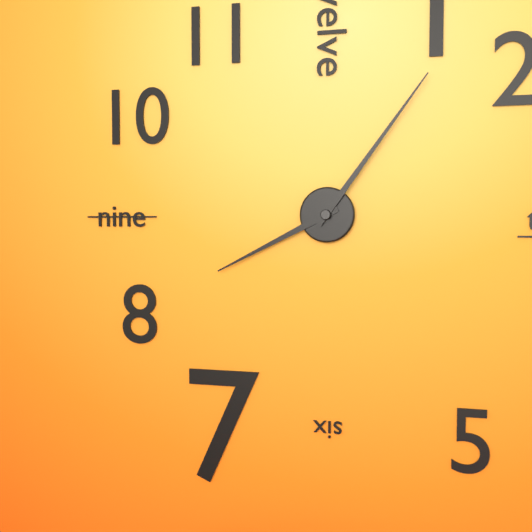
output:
8 h 06 min
